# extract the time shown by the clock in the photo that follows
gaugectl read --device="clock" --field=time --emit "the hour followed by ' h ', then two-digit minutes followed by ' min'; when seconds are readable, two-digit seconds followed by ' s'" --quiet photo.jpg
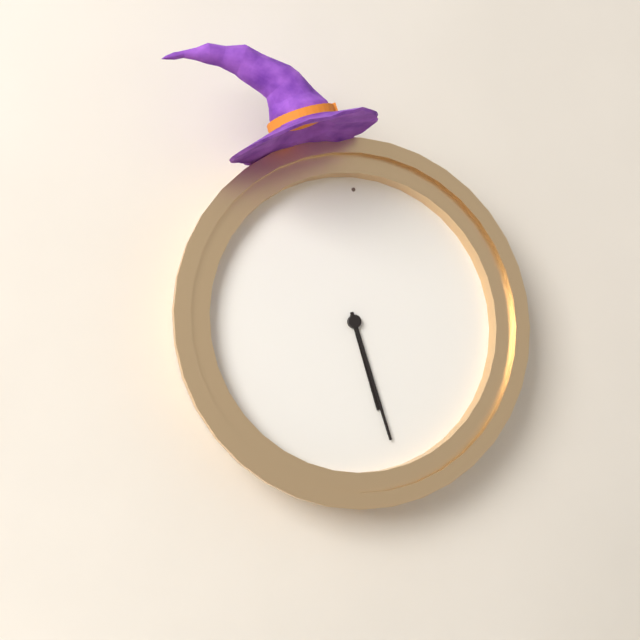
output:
5 h 27 min
